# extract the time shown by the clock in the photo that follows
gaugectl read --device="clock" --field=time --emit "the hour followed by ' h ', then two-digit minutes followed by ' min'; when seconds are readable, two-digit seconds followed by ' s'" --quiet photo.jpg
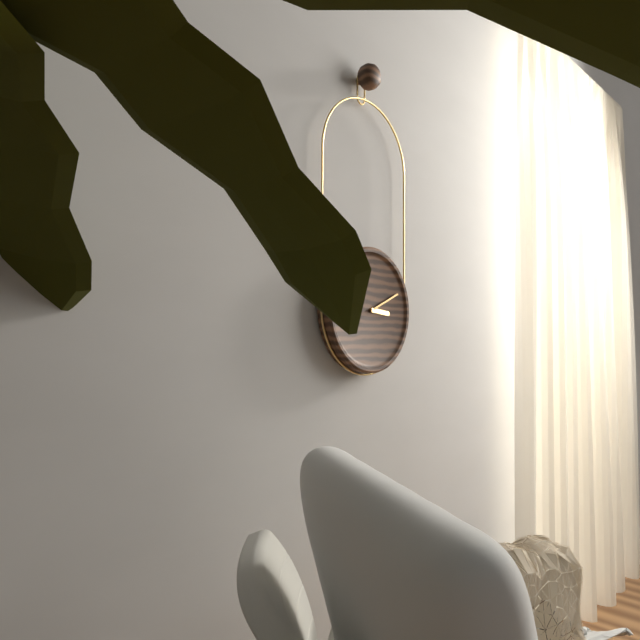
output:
3 h 11 min
